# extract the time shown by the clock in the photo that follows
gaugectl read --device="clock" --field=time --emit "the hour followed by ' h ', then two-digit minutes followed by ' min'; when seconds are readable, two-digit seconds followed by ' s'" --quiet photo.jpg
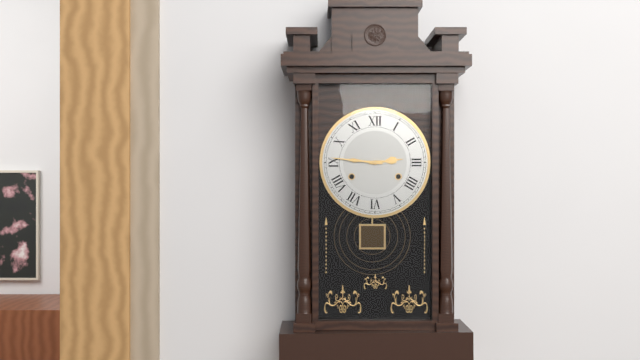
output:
2 h 46 min
